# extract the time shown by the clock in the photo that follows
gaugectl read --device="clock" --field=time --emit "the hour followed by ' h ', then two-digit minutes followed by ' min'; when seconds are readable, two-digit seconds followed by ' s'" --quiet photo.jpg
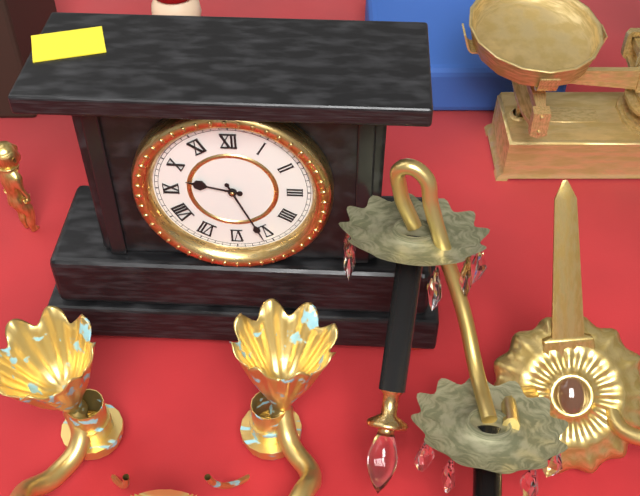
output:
9 h 26 min
